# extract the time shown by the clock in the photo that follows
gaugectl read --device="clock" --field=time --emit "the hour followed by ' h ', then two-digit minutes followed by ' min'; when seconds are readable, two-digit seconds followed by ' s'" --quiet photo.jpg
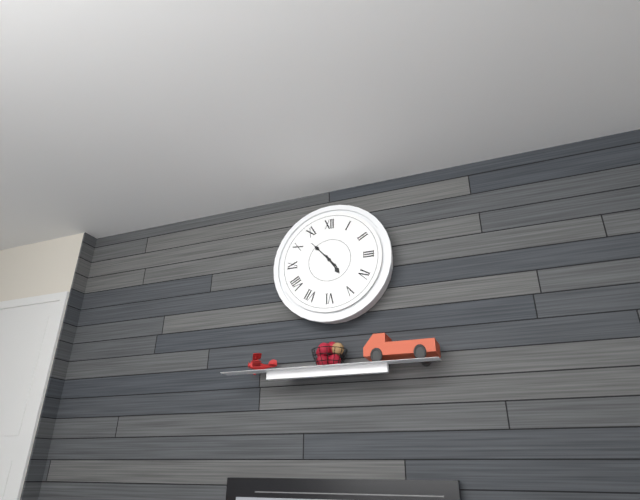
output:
4 h 53 min
